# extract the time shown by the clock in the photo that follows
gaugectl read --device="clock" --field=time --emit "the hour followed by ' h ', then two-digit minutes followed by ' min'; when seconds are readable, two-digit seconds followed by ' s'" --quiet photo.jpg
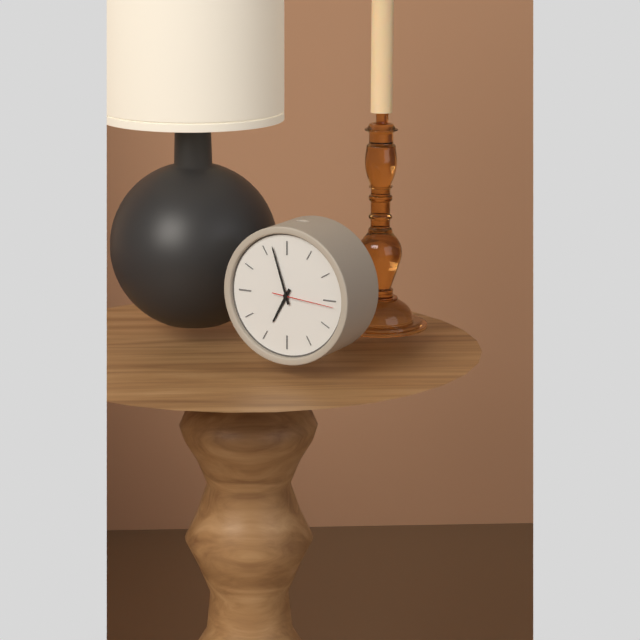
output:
6 h 57 min 16 s
